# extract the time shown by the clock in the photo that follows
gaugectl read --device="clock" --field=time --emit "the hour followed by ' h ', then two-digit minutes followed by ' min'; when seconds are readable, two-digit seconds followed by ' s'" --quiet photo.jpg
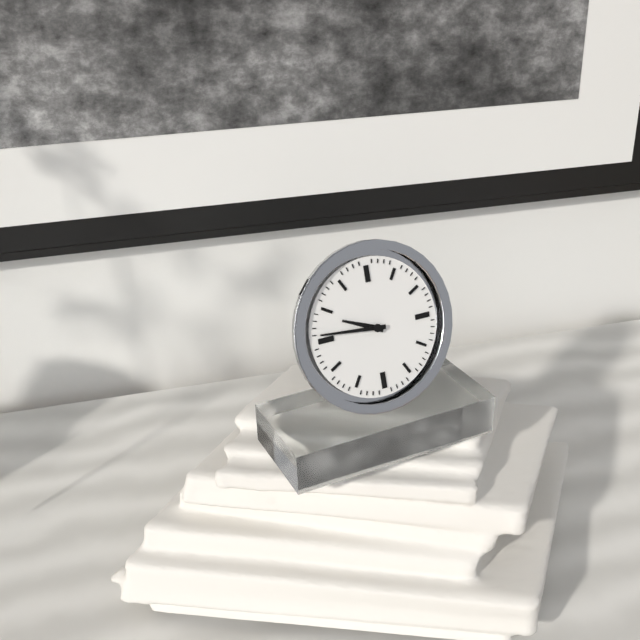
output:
9 h 46 min
